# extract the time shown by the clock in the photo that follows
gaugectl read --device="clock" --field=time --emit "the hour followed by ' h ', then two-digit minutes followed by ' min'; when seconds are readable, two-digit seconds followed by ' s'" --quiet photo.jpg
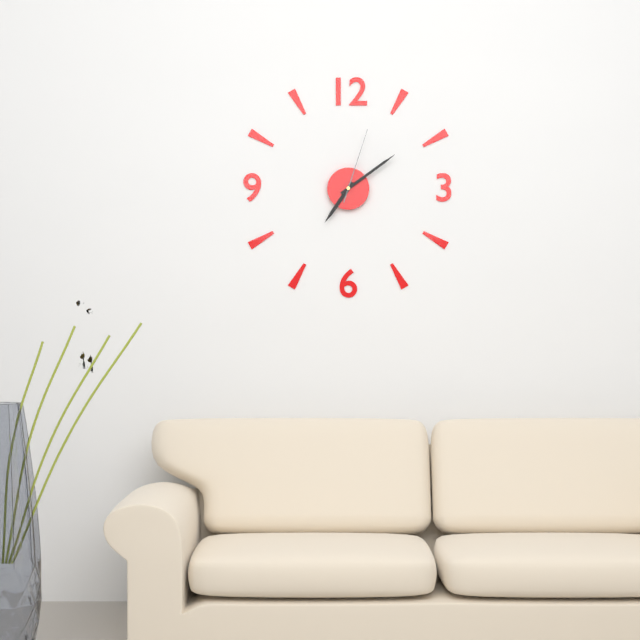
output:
7 h 09 min 03 s
